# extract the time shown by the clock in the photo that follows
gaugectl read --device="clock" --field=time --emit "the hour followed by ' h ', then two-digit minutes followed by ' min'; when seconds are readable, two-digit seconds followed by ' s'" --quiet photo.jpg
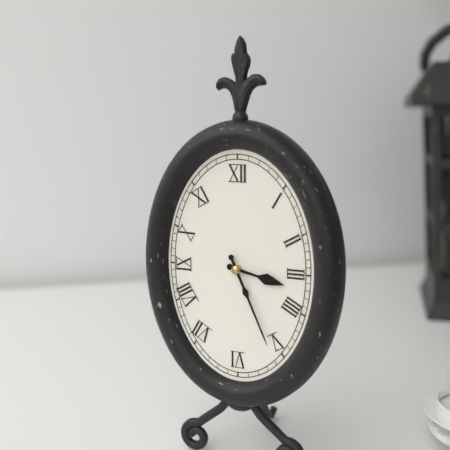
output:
3 h 26 min
